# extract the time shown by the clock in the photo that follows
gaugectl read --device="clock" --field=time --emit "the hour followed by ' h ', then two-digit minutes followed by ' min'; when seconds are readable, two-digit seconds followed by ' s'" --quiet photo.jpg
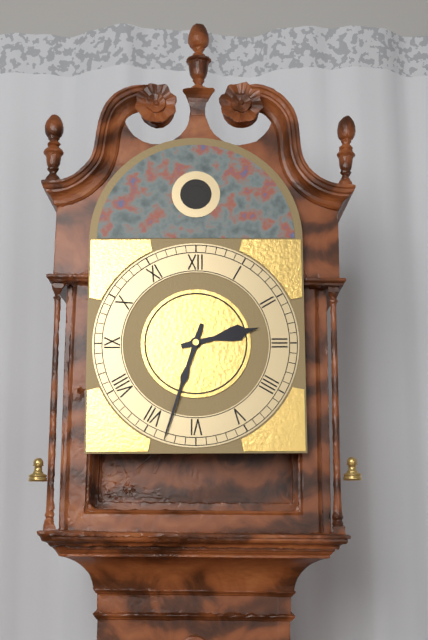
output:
2 h 33 min
